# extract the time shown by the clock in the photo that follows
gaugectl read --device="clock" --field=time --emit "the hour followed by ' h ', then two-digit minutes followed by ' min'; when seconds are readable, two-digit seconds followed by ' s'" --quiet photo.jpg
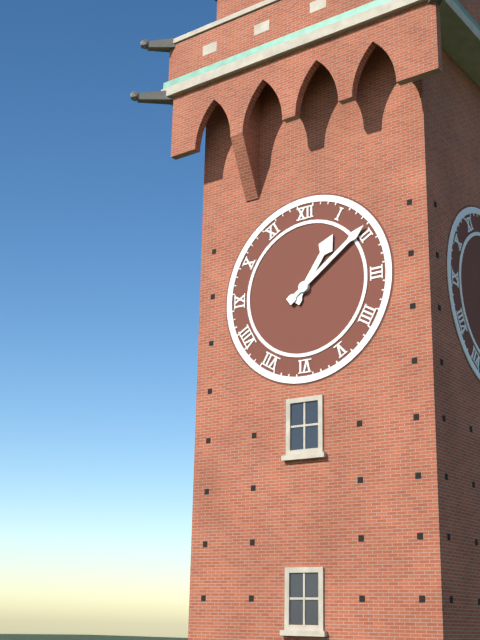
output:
1 h 09 min
